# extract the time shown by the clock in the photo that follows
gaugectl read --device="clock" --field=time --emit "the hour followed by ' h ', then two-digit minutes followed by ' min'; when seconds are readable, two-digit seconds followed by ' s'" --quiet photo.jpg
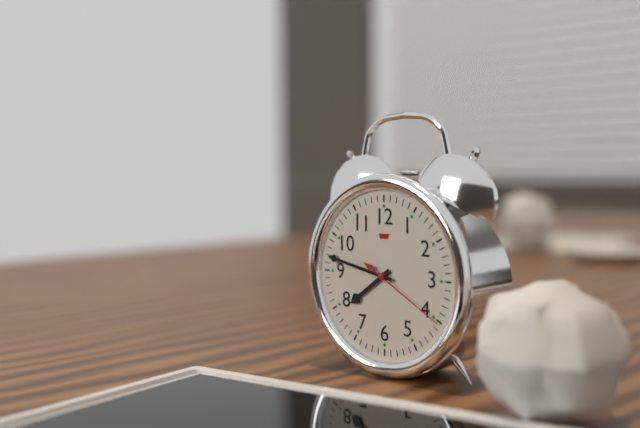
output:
7 h 47 min 20 s
